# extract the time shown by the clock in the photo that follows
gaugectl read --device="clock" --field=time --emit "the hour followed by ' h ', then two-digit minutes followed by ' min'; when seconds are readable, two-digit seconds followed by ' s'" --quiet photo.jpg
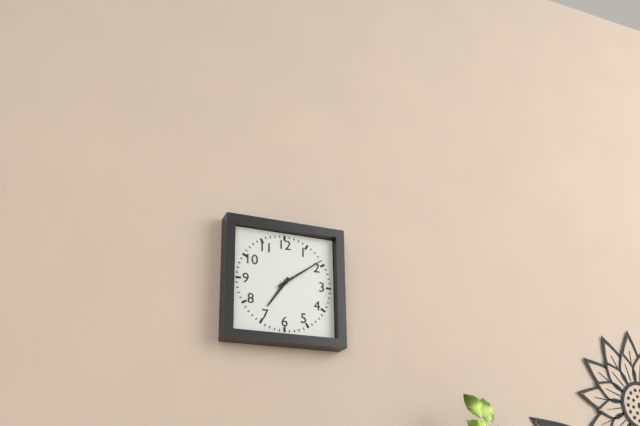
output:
7 h 09 min
